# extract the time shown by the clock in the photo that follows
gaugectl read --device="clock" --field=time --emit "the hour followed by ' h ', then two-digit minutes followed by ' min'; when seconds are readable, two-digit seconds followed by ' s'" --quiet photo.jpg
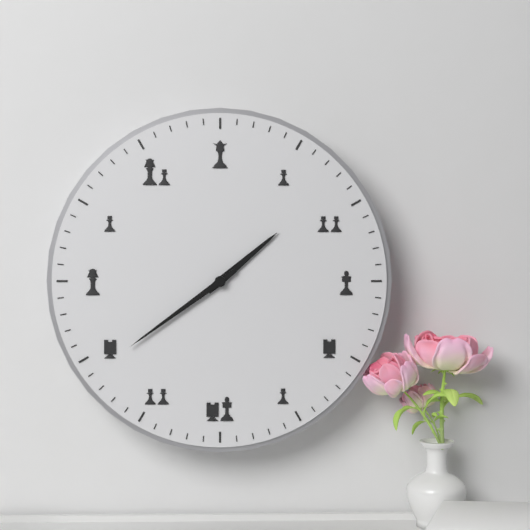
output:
1 h 39 min
